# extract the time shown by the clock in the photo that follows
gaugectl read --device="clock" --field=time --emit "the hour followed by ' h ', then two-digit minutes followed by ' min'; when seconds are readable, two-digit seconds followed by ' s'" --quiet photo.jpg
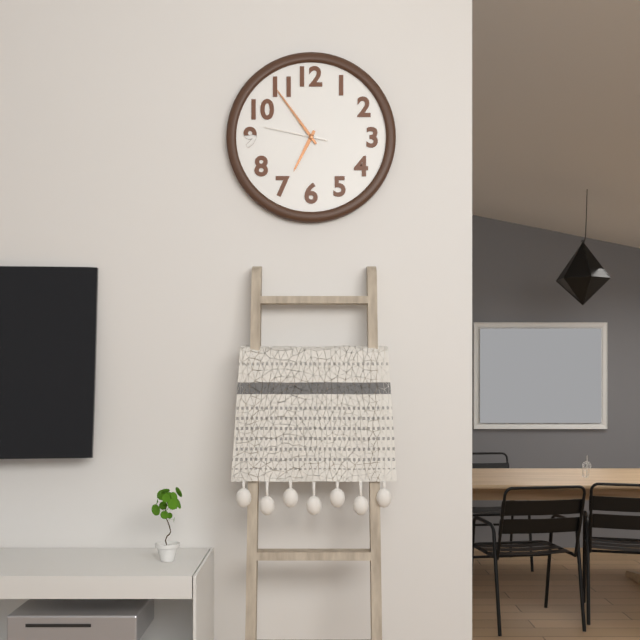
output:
6 h 54 min 47 s
